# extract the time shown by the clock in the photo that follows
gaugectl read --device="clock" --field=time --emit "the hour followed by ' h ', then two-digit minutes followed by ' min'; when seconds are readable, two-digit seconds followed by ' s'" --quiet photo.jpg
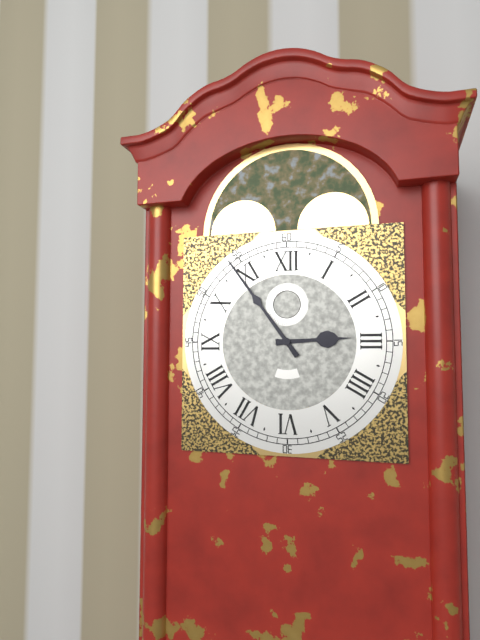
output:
2 h 54 min
